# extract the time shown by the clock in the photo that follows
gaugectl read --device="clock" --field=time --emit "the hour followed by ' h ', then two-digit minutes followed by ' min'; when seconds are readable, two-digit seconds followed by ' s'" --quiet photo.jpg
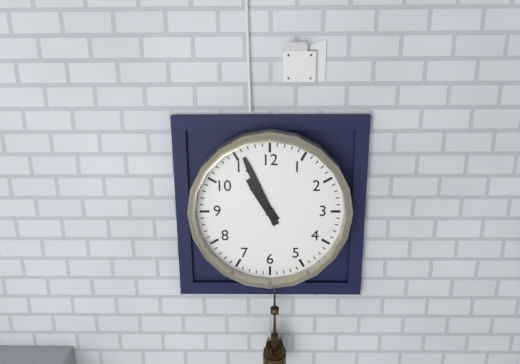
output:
10 h 56 min
